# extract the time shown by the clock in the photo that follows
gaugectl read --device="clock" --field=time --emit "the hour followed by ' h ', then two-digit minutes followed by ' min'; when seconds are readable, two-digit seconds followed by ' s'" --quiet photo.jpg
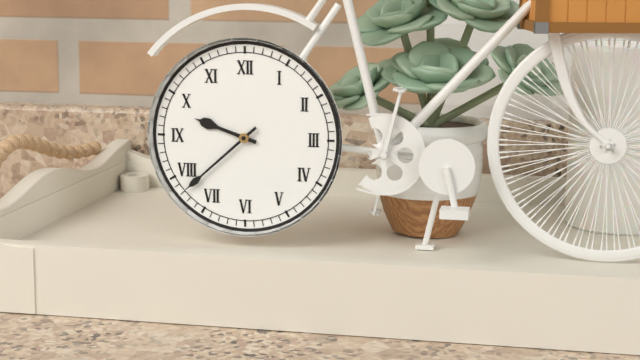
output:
9 h 38 min
